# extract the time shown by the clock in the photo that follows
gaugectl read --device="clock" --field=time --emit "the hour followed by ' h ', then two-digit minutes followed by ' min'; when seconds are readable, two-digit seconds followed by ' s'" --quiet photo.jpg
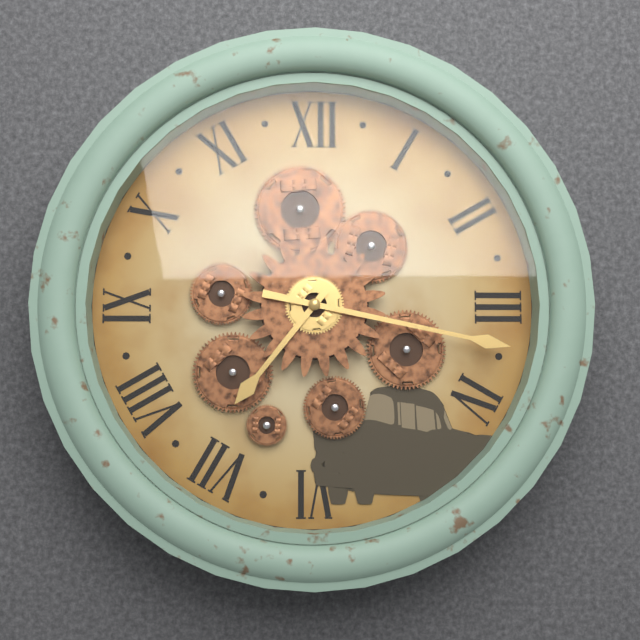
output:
7 h 17 min
